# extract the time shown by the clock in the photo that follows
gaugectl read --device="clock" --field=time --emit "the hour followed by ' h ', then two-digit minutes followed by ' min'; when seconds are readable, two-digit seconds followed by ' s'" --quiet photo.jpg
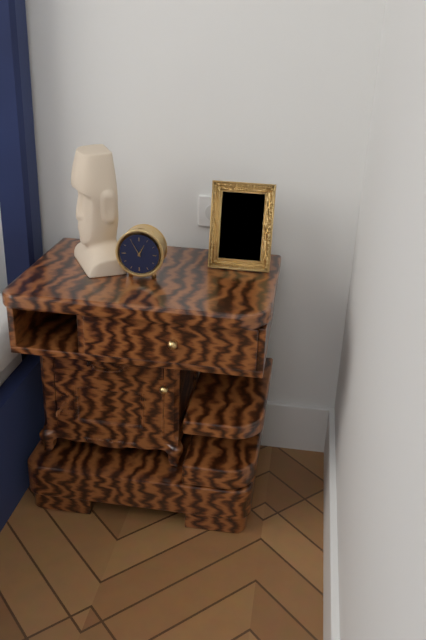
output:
12 h 55 min
